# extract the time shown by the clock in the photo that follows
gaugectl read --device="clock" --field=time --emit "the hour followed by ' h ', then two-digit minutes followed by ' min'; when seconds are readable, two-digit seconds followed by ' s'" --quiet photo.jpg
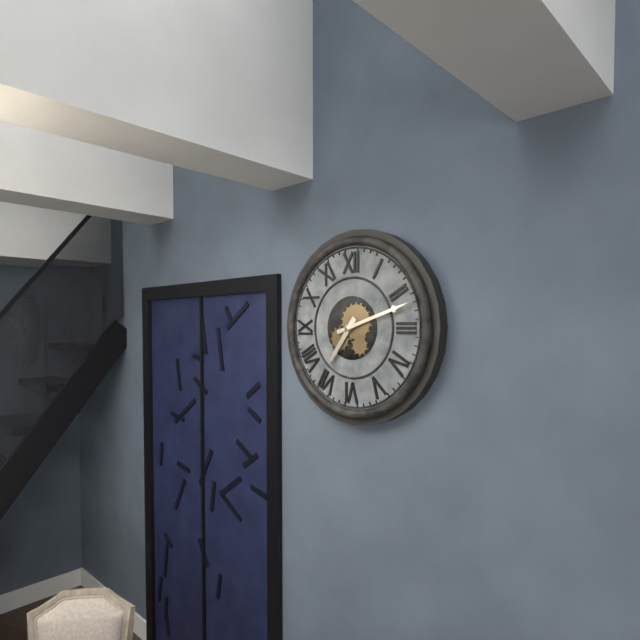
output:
7 h 12 min
